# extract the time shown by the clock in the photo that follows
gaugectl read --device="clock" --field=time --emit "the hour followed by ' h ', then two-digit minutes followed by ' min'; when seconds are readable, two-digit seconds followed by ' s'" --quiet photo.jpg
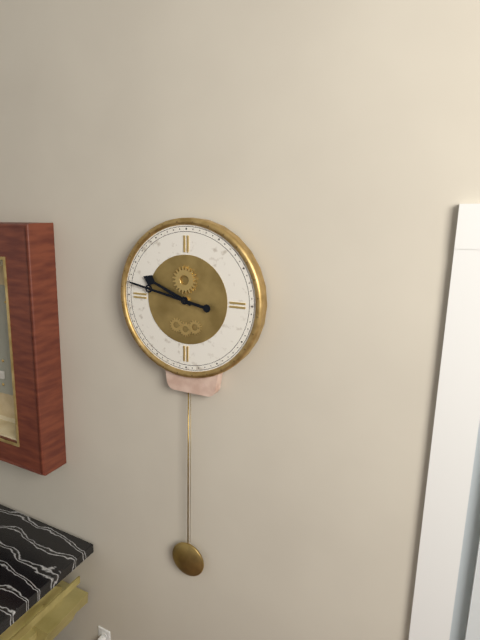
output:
9 h 47 min
